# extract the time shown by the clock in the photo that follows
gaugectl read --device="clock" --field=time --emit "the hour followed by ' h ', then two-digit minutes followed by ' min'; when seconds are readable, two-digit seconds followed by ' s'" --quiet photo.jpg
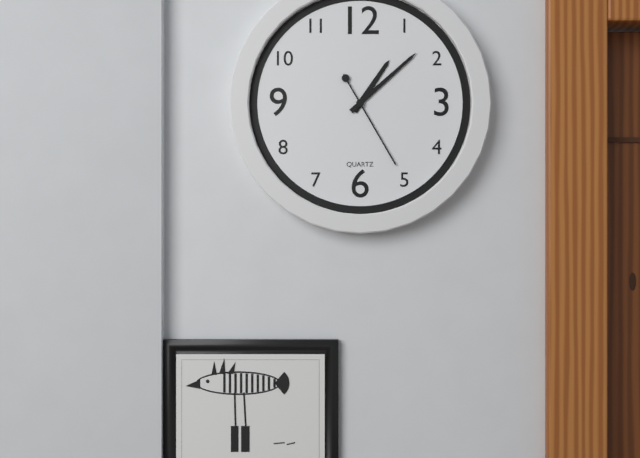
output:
1 h 08 min 25 s
